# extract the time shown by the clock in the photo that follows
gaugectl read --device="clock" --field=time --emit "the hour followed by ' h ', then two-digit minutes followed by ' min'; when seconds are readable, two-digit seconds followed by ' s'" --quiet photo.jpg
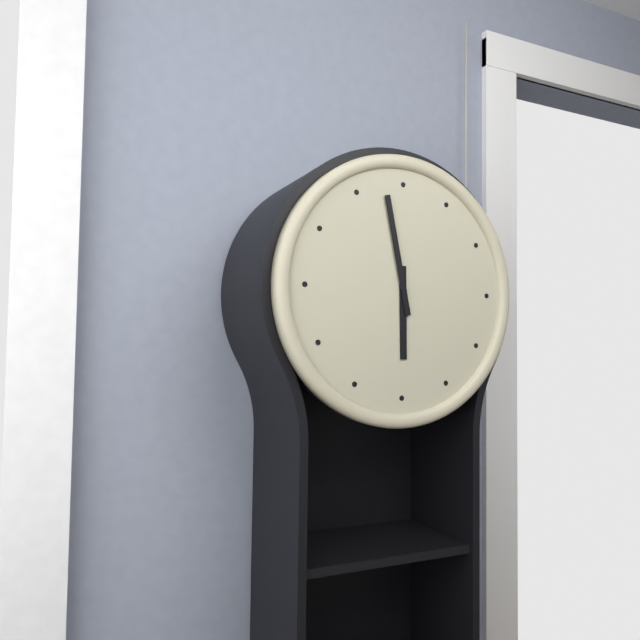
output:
5 h 58 min
